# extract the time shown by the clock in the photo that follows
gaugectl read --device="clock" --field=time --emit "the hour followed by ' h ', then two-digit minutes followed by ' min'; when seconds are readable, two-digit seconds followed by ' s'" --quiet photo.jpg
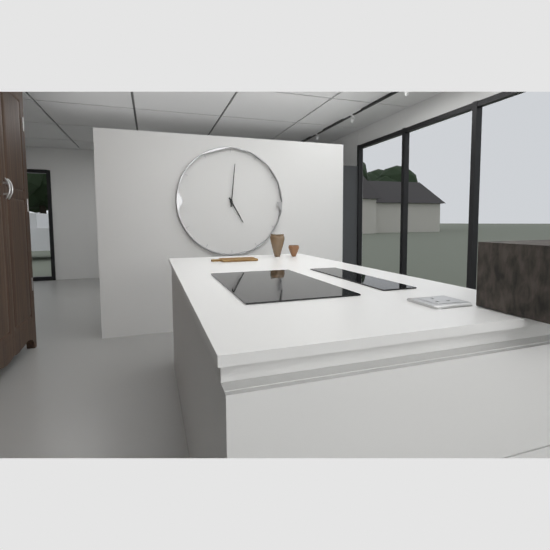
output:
5 h 01 min
